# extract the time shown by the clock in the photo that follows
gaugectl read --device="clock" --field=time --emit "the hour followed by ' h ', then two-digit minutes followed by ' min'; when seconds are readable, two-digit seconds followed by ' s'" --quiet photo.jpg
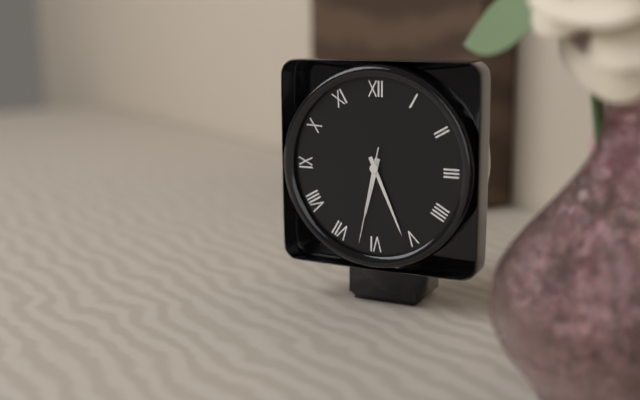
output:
6 h 26 min 32 s
